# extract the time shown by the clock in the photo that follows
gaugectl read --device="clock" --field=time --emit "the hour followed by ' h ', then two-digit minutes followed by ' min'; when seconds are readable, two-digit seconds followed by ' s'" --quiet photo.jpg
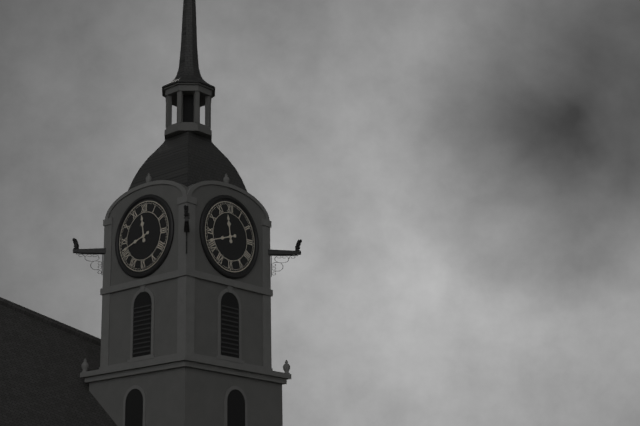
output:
11 h 42 min
